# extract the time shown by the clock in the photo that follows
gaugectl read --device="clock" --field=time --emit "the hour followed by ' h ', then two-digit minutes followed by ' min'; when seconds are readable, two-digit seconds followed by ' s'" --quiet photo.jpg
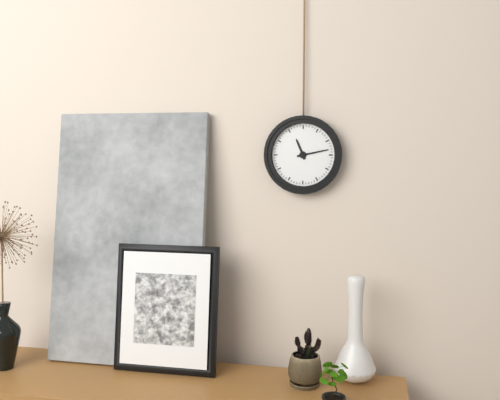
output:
11 h 13 min
